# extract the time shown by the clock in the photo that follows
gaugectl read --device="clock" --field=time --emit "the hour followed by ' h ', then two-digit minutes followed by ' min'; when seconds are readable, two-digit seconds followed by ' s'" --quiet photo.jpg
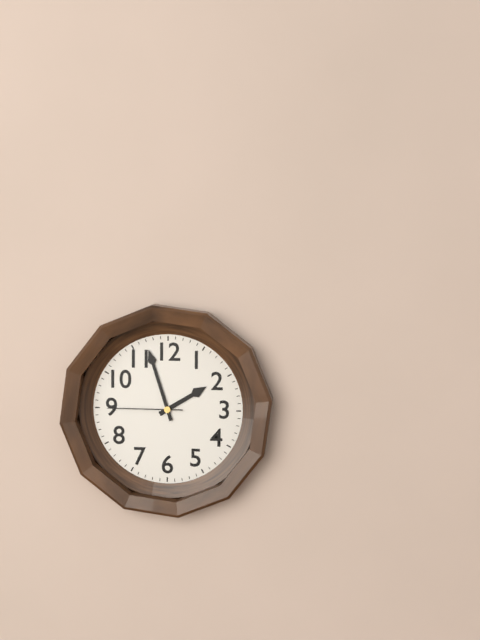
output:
1 h 57 min 45 s
